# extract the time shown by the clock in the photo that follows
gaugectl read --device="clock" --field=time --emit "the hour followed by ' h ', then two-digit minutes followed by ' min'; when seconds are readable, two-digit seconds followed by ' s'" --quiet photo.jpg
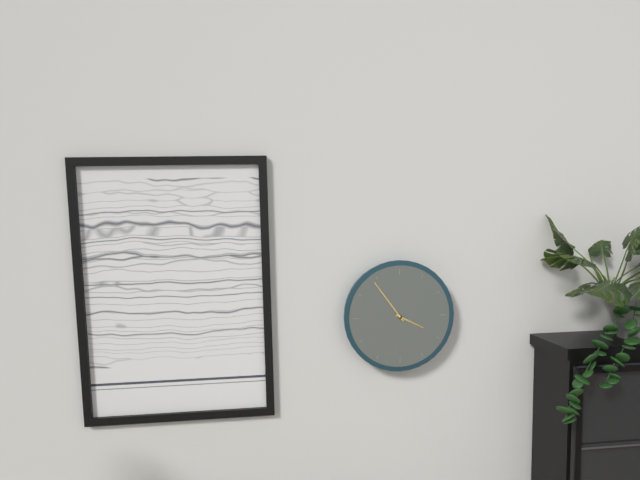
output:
3 h 54 min
